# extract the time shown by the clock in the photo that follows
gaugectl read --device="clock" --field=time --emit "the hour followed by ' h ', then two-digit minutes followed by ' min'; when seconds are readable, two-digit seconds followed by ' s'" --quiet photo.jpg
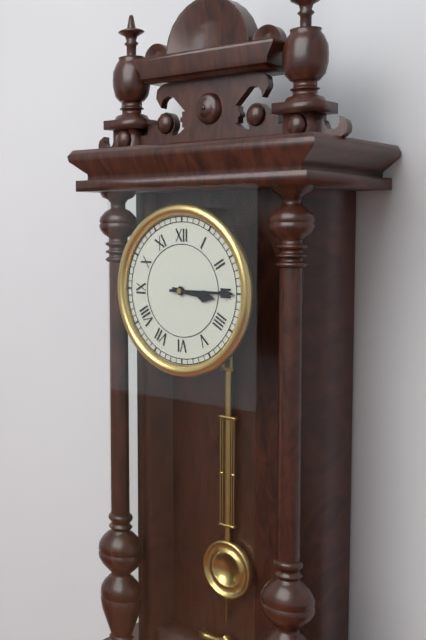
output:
3 h 15 min
